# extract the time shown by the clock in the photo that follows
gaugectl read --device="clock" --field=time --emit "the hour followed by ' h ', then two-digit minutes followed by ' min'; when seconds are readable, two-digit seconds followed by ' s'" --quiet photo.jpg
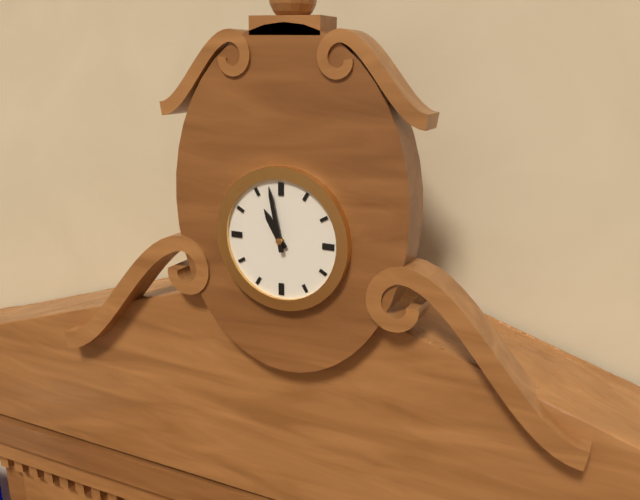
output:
10 h 58 min
